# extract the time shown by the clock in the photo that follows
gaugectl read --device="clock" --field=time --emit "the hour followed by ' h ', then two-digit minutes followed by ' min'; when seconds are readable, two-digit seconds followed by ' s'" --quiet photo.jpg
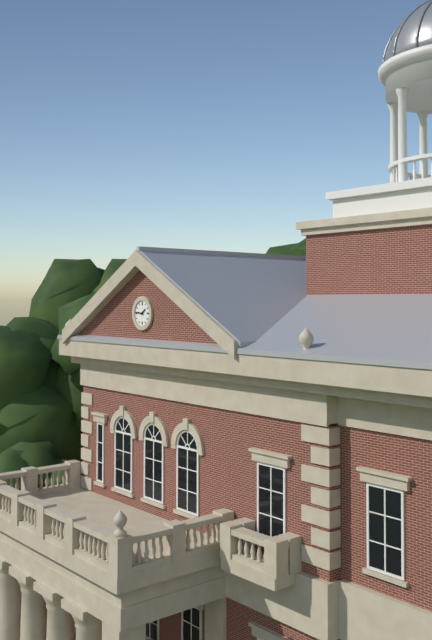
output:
1 h 46 min
